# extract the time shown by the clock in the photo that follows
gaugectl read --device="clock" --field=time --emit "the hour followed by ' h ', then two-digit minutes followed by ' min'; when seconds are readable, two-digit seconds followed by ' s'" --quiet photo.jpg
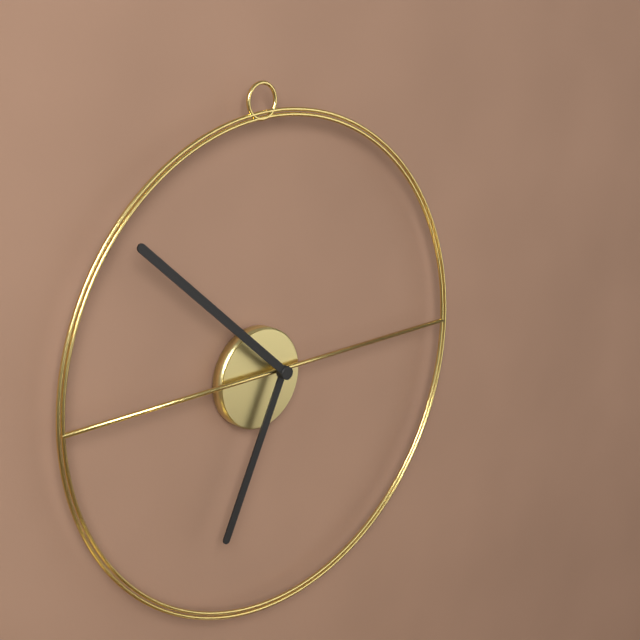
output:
6 h 52 min
